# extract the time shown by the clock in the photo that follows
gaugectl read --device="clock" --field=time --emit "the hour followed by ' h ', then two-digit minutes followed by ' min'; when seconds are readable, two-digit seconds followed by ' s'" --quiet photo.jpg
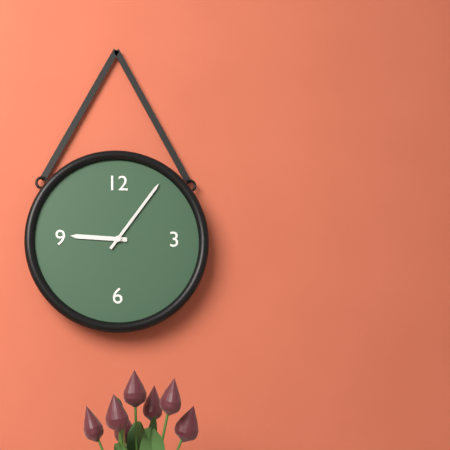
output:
9 h 06 min
